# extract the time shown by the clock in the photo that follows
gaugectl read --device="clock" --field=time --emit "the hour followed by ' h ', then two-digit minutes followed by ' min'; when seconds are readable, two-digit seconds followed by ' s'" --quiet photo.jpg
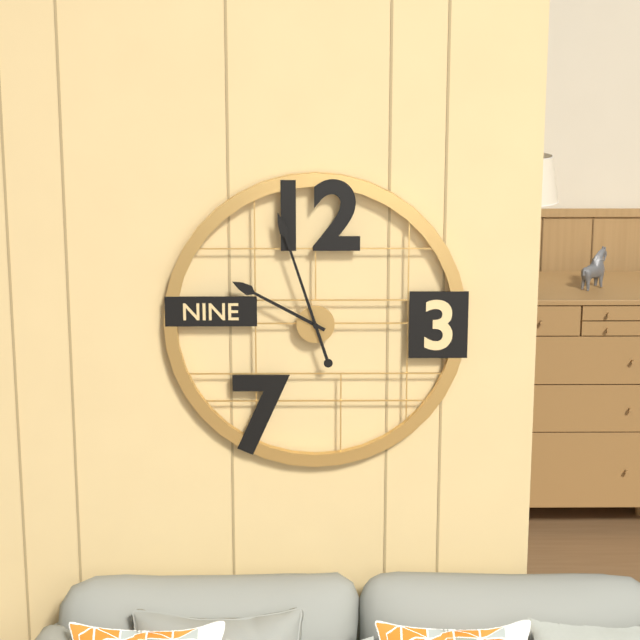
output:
9 h 57 min
